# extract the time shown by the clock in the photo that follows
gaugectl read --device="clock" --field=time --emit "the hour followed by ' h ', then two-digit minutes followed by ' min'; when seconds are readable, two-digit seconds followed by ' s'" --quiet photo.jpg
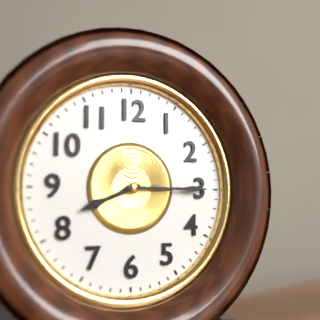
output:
8 h 15 min
